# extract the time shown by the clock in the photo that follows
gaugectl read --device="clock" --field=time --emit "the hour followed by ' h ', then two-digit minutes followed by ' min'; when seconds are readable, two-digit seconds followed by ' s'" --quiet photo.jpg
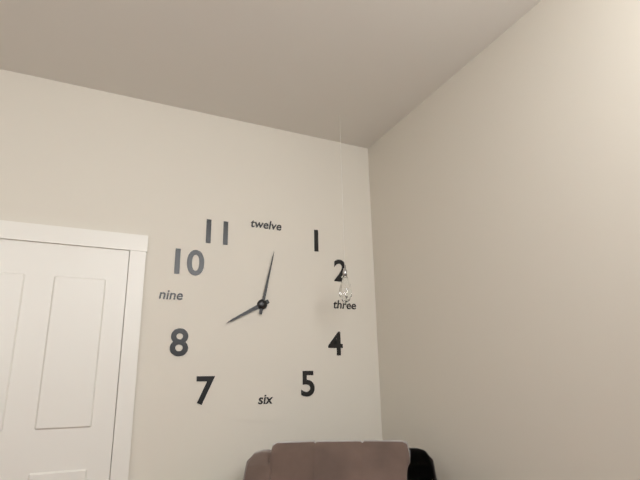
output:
8 h 02 min
